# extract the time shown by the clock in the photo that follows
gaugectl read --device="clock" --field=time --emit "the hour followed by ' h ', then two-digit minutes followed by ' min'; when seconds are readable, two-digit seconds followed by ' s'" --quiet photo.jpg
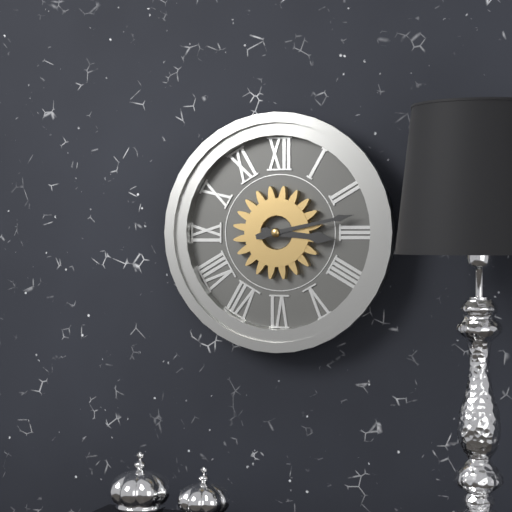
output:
3 h 13 min
